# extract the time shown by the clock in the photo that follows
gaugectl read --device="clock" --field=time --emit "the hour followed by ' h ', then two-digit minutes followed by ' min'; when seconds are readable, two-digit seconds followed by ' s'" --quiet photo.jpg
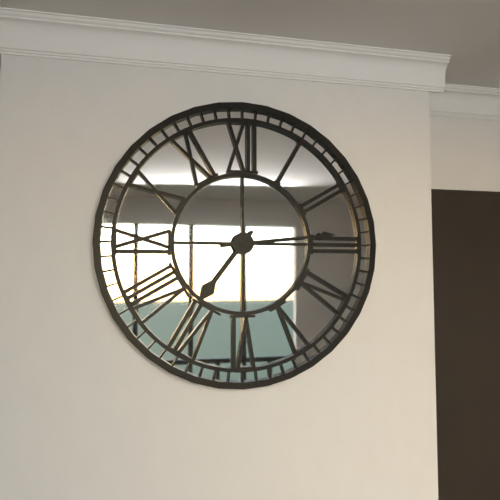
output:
7 h 14 min
